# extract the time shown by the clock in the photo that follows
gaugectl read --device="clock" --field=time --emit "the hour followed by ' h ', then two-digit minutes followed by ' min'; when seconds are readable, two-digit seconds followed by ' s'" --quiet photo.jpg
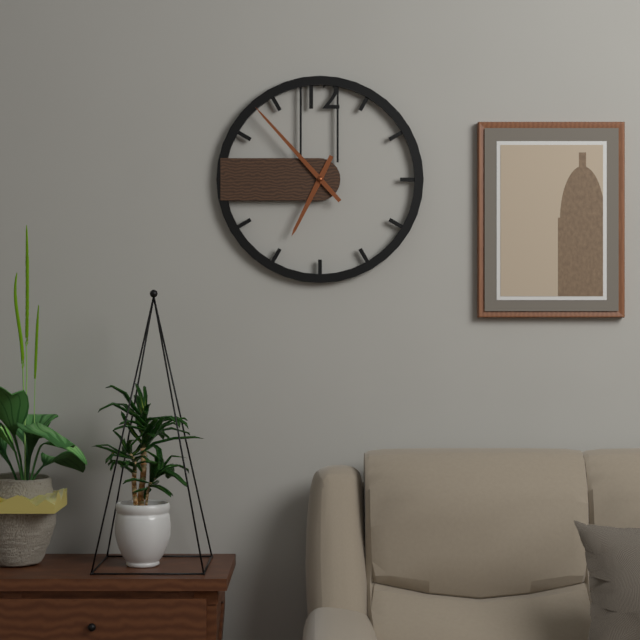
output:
6 h 53 min
